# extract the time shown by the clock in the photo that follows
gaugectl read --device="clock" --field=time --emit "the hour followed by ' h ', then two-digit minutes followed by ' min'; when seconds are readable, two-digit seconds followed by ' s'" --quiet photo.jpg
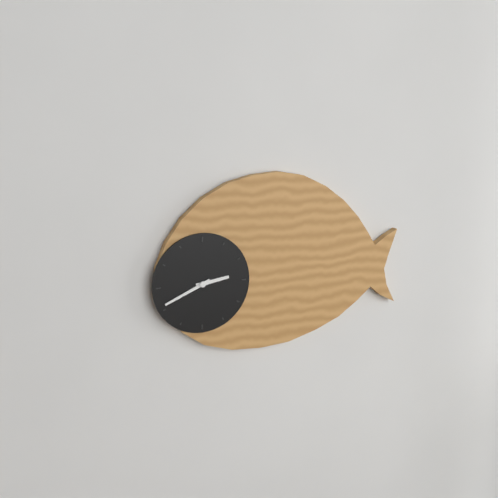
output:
2 h 41 min
